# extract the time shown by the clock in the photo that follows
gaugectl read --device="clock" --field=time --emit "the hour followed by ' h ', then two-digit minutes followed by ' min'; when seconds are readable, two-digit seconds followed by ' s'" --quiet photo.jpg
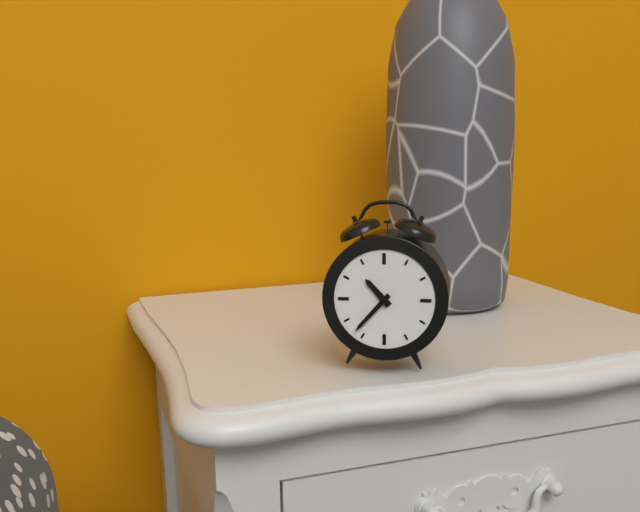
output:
10 h 37 min
